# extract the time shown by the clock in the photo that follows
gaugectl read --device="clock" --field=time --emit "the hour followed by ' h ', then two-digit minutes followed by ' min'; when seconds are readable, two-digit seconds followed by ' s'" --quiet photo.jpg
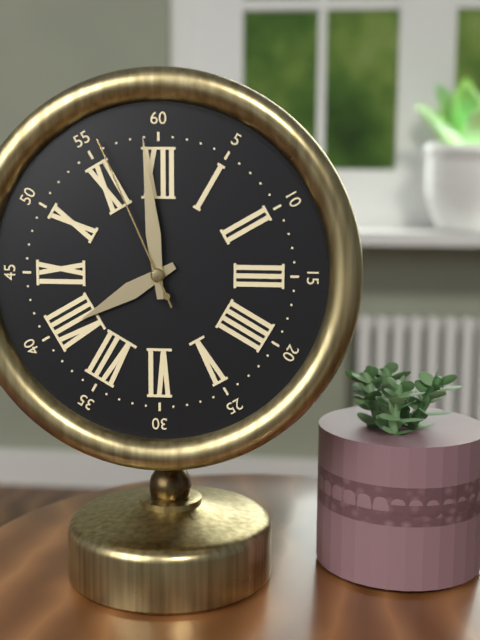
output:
7 h 59 min 56 s
